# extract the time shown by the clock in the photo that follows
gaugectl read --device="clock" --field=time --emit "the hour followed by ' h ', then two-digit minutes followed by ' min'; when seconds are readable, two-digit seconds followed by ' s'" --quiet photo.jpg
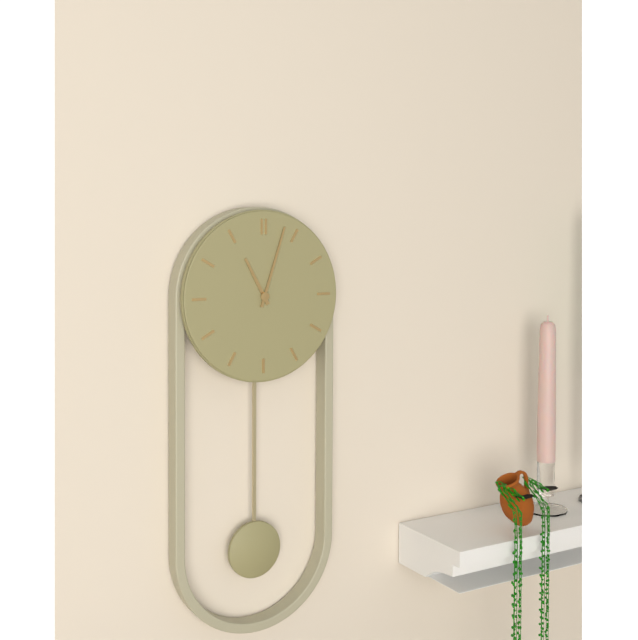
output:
11 h 03 min
